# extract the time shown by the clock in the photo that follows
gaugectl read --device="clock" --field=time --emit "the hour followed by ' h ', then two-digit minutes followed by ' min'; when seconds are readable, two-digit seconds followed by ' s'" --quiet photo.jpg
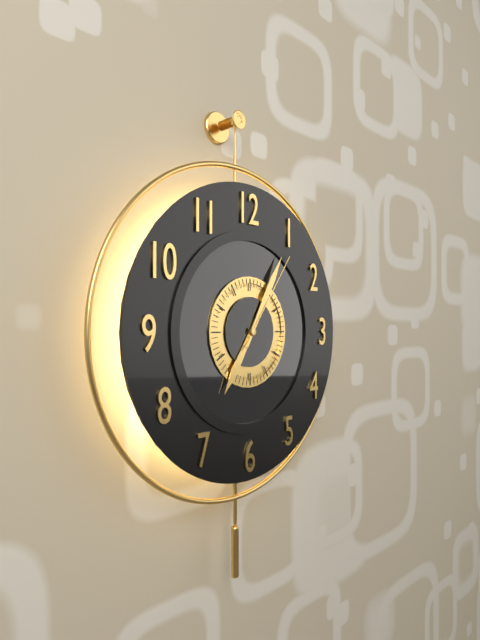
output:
7 h 05 min 06 s
